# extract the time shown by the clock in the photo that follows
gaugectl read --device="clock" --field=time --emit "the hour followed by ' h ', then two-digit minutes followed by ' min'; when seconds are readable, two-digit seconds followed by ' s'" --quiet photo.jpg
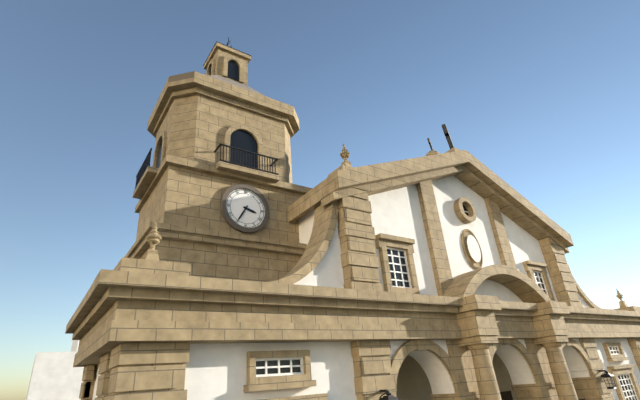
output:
3 h 35 min
